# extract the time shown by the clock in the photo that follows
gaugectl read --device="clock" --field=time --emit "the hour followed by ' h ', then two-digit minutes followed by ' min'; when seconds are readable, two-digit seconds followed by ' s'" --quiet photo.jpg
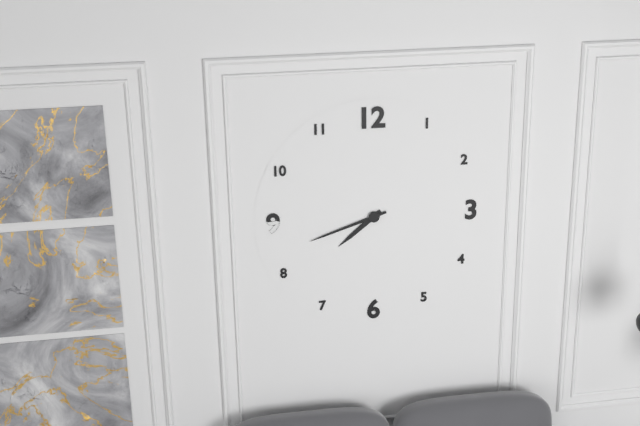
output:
7 h 42 min
